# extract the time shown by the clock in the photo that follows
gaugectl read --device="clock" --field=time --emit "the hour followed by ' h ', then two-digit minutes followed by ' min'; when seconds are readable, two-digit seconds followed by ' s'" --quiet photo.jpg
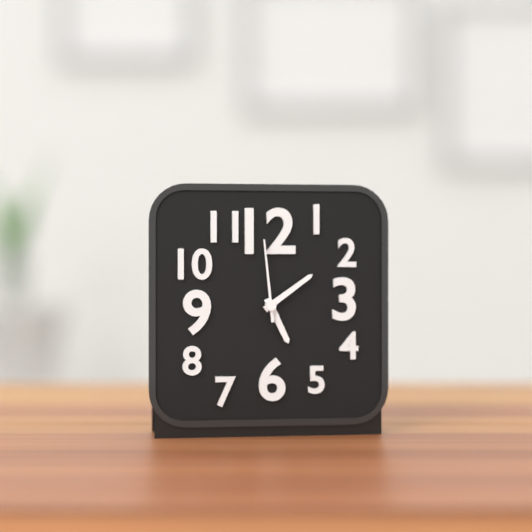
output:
5 h 09 min 59 s
